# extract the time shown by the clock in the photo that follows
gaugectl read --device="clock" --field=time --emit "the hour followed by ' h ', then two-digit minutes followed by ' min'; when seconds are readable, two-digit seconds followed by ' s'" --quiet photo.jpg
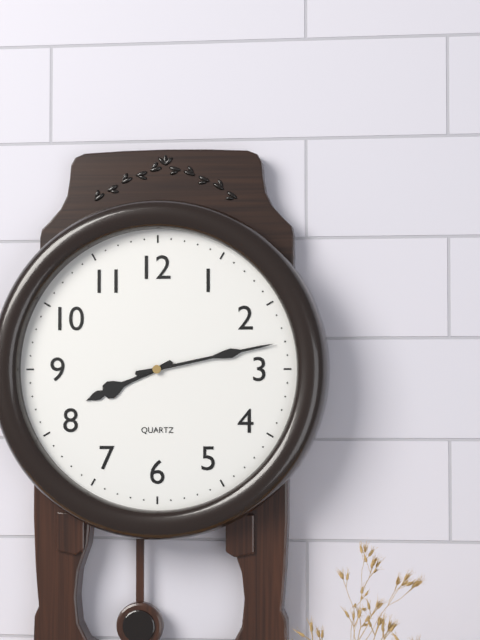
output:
8 h 13 min
